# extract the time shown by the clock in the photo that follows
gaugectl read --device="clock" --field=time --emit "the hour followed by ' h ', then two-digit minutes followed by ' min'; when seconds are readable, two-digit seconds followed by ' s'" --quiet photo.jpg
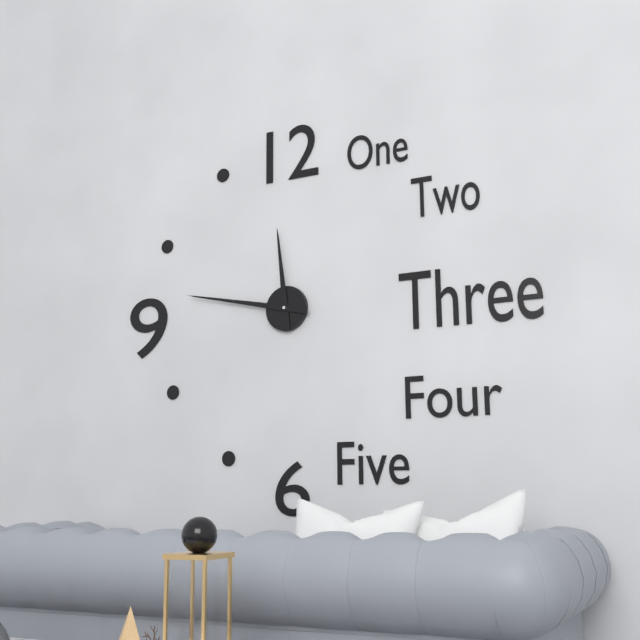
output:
11 h 47 min
